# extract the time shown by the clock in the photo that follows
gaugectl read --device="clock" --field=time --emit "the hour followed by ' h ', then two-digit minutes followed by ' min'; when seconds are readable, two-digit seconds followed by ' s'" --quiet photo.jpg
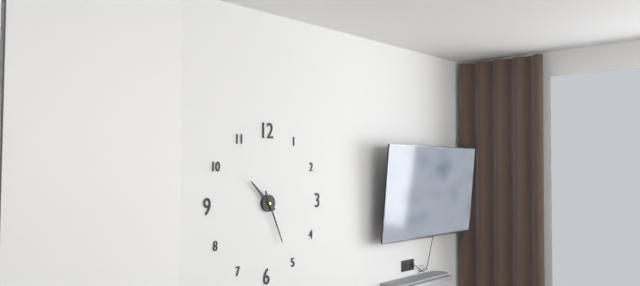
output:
10 h 26 min
